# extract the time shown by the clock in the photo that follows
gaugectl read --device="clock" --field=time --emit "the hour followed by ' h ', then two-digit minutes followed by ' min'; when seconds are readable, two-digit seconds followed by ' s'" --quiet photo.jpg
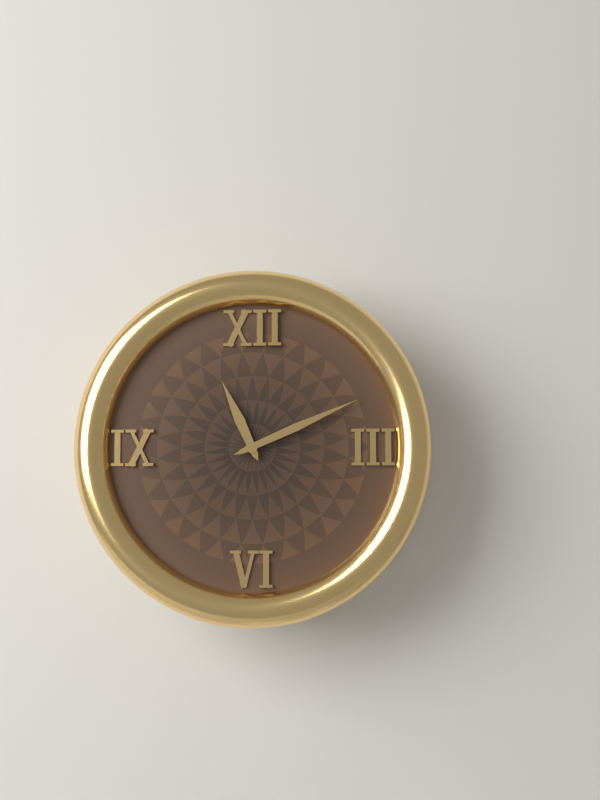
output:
11 h 11 min
